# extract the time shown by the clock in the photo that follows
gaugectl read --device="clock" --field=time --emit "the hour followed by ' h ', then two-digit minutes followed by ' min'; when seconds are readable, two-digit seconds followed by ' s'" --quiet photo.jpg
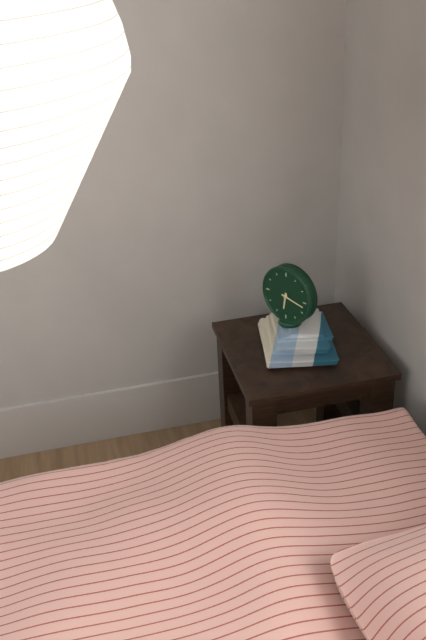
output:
6 h 17 min
